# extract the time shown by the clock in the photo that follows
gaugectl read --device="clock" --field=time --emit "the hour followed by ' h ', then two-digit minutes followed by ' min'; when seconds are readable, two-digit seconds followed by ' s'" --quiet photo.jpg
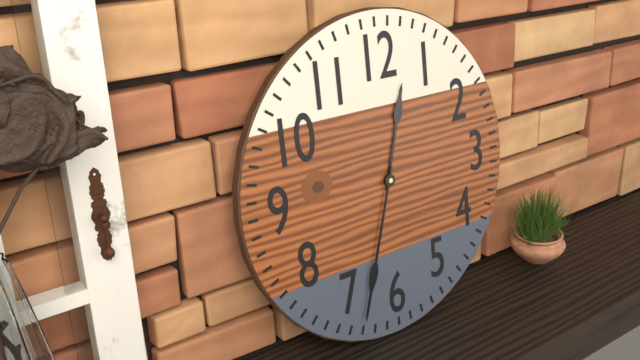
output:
12 h 33 min
